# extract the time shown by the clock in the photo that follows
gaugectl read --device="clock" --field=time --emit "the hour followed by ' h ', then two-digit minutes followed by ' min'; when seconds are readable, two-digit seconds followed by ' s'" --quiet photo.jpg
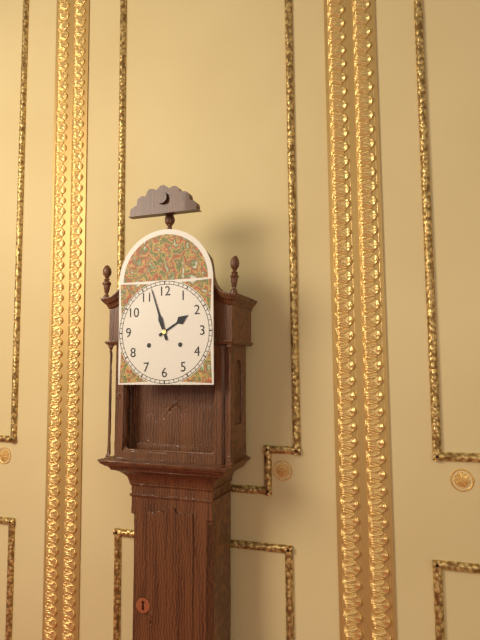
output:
1 h 57 min
